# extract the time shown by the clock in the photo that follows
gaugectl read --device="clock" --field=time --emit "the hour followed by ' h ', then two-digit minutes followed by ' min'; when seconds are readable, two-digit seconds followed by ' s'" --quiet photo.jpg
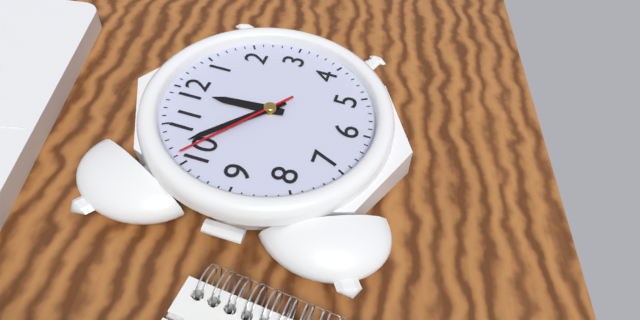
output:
11 h 52 min 51 s
